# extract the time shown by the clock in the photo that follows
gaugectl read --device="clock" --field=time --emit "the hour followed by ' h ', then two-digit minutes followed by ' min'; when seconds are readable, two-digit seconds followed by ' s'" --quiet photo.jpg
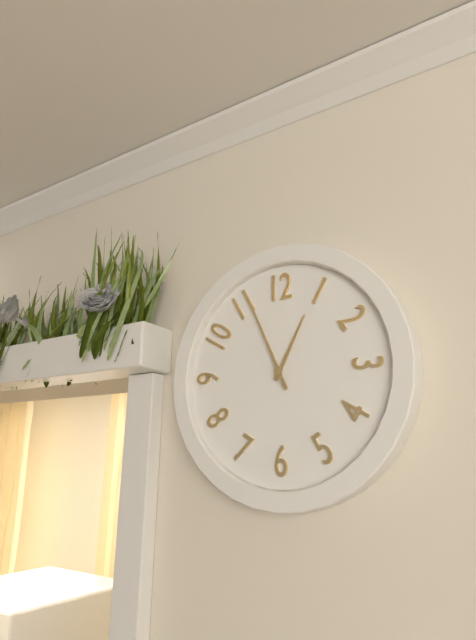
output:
12 h 56 min
